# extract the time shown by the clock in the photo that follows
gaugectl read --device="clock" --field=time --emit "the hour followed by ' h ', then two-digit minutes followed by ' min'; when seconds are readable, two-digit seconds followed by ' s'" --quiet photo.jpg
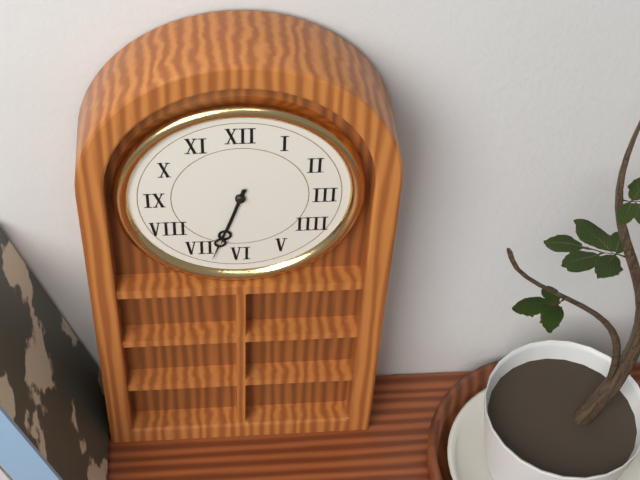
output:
6 h 33 min
